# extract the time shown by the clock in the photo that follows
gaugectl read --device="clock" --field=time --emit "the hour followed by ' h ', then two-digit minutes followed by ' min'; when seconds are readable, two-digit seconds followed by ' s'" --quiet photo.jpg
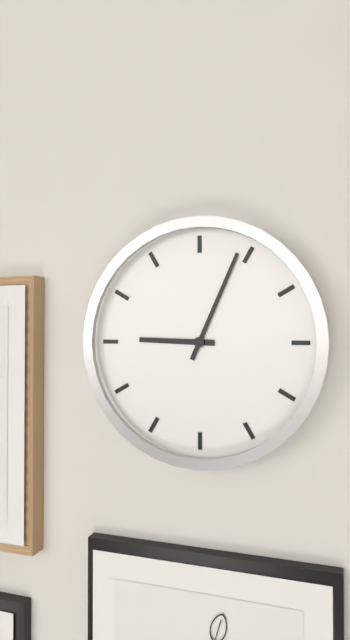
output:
9 h 04 min
